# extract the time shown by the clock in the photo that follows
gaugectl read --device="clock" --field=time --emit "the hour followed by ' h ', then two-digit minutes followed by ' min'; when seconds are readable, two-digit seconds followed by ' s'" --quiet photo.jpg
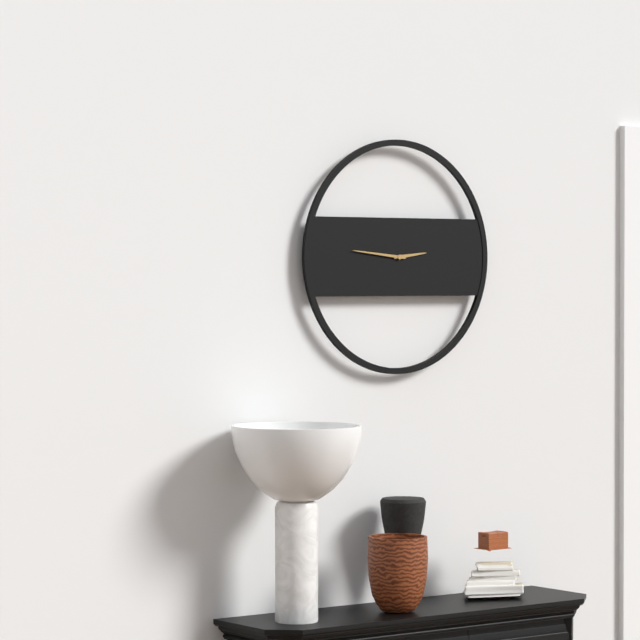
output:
2 h 46 min
